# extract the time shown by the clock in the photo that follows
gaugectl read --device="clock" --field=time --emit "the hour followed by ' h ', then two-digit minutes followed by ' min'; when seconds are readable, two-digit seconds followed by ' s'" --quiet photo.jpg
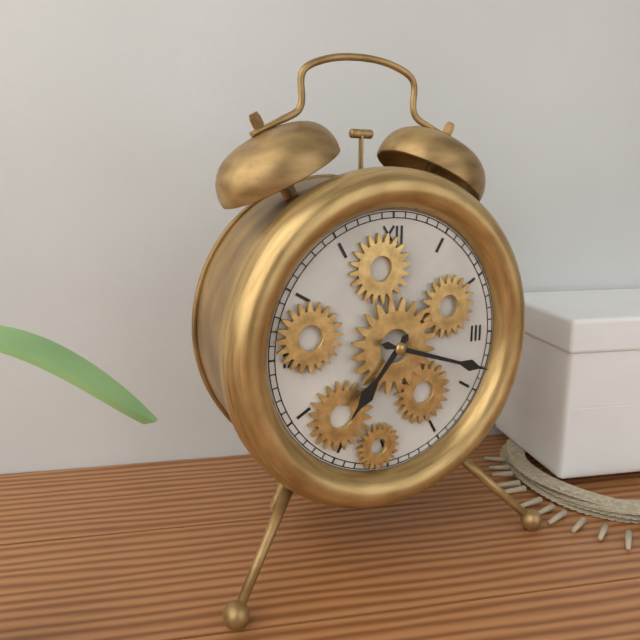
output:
7 h 18 min
